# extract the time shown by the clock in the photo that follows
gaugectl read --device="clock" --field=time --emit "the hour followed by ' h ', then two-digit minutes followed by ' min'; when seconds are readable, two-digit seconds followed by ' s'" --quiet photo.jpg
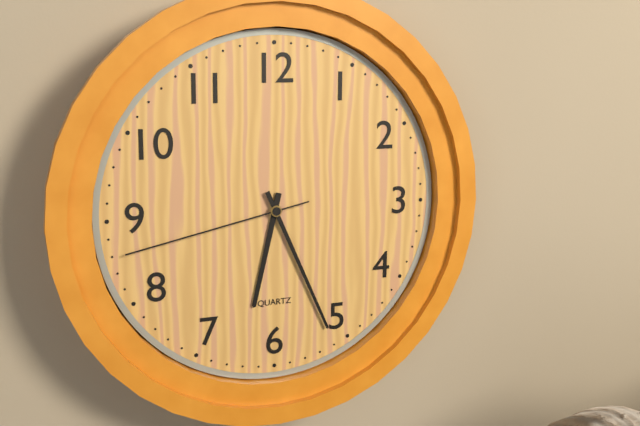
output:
6 h 26 min 43 s
